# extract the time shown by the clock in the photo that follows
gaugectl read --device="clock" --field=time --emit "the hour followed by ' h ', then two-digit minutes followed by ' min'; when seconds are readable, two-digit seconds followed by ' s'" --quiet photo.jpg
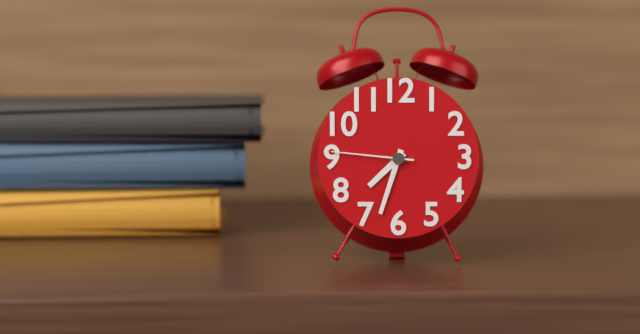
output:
7 h 33 min 46 s
